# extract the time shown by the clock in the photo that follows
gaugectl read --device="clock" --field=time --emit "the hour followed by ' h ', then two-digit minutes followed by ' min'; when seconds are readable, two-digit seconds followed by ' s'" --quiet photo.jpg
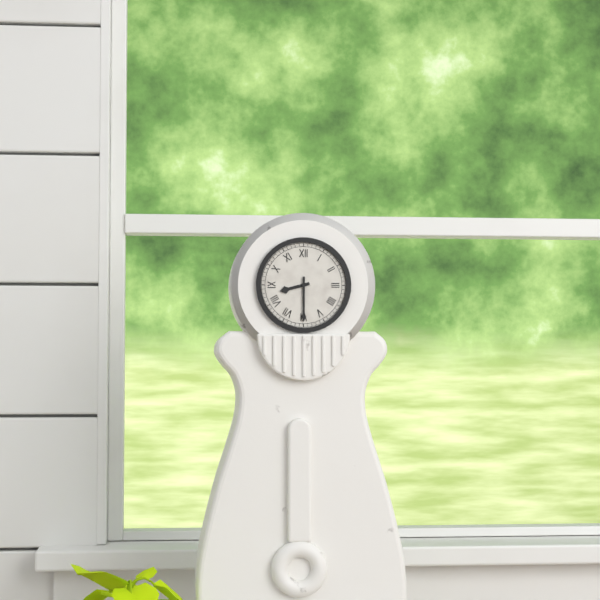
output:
8 h 30 min
